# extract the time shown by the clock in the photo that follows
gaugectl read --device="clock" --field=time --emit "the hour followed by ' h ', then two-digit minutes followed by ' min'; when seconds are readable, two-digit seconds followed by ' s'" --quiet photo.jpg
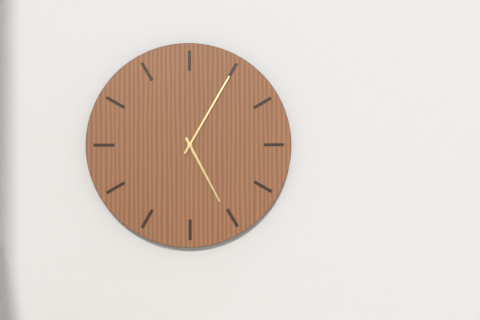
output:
5 h 05 min
